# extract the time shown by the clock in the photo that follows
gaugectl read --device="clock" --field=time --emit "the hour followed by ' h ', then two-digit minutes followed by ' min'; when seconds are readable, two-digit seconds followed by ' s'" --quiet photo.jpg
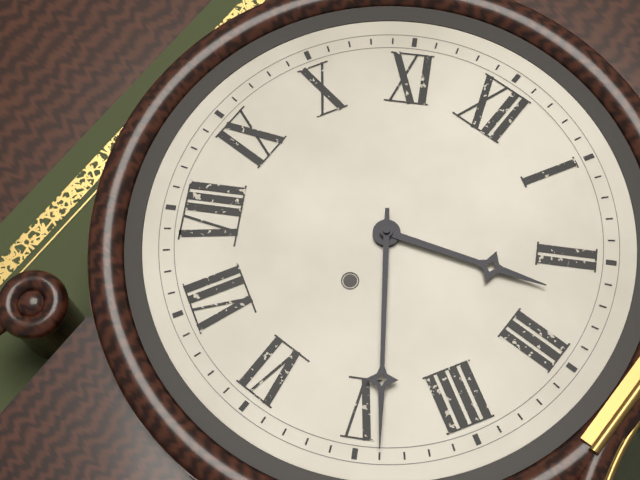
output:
2 h 24 min
